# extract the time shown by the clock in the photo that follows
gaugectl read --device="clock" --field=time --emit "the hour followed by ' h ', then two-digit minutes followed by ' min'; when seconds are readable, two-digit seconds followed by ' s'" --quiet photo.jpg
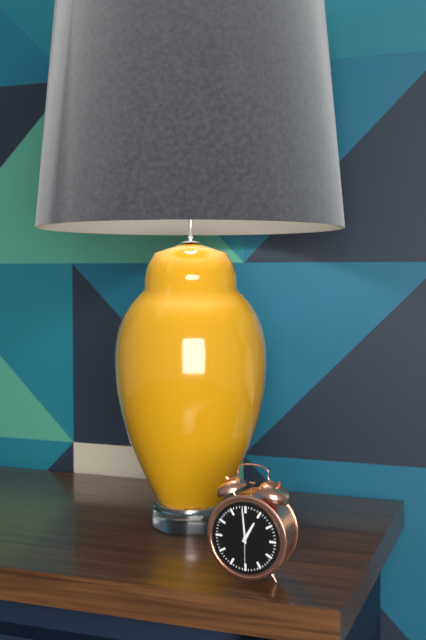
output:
12 h 59 min
